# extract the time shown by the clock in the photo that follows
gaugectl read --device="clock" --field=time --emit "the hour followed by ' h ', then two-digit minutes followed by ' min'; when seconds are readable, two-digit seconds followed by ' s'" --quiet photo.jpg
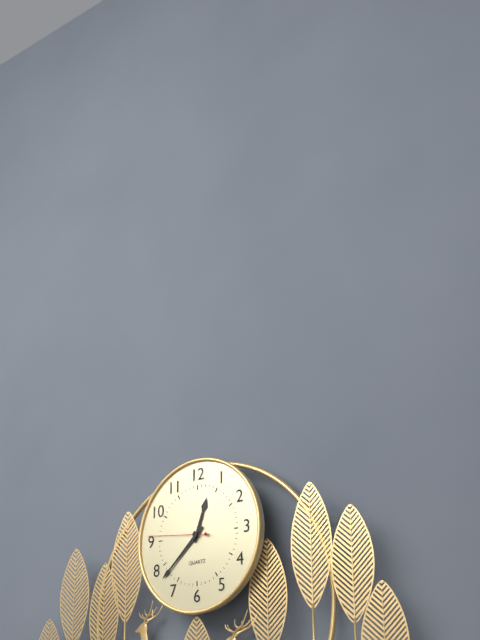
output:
12 h 38 min 46 s
